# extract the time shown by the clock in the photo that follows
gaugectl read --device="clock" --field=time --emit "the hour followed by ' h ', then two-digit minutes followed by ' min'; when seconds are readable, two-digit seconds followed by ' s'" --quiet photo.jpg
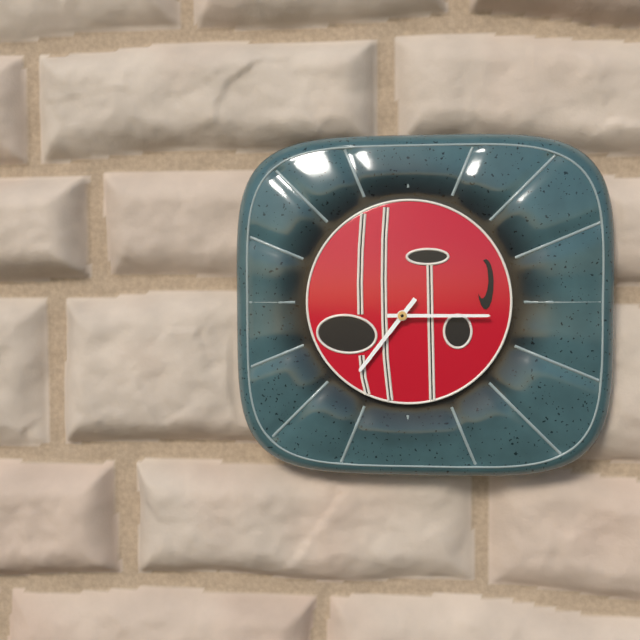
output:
7 h 15 min
